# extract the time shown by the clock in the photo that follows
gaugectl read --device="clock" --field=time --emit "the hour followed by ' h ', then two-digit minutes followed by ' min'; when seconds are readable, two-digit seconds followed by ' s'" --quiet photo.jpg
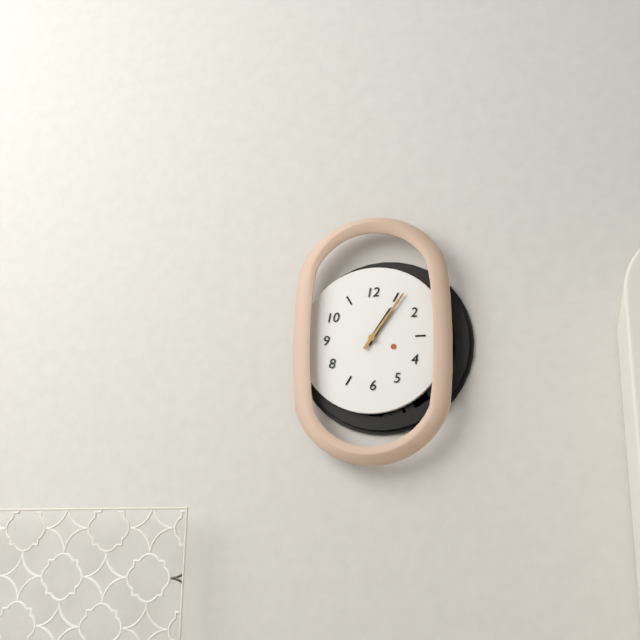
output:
1 h 06 min
